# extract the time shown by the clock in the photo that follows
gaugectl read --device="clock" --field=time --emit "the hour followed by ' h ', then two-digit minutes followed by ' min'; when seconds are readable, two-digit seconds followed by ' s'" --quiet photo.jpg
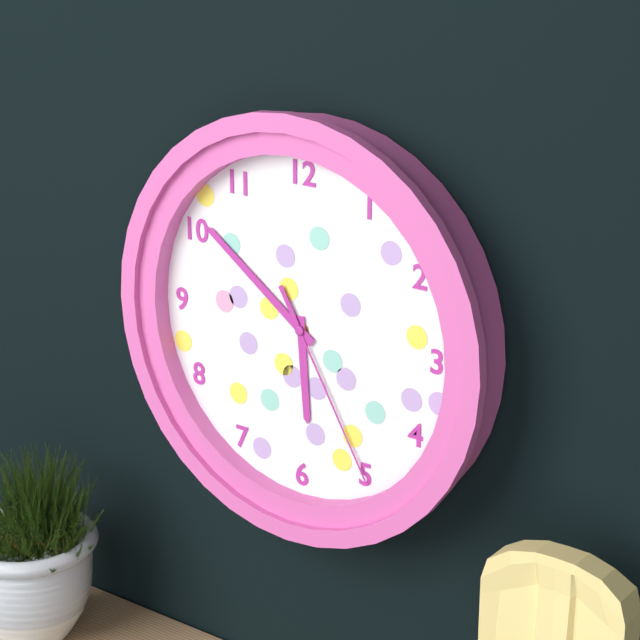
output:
5 h 51 min 25 s
